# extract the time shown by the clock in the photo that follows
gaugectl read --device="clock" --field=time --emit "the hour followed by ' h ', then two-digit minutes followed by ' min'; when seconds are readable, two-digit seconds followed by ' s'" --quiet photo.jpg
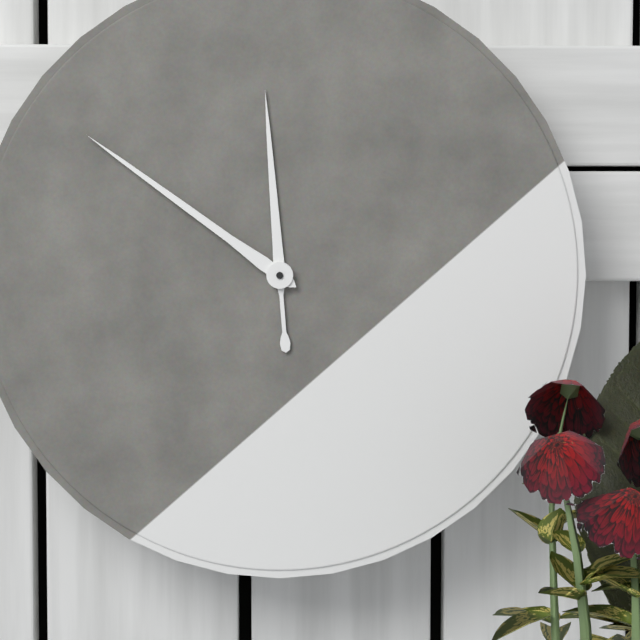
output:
11 h 51 min
